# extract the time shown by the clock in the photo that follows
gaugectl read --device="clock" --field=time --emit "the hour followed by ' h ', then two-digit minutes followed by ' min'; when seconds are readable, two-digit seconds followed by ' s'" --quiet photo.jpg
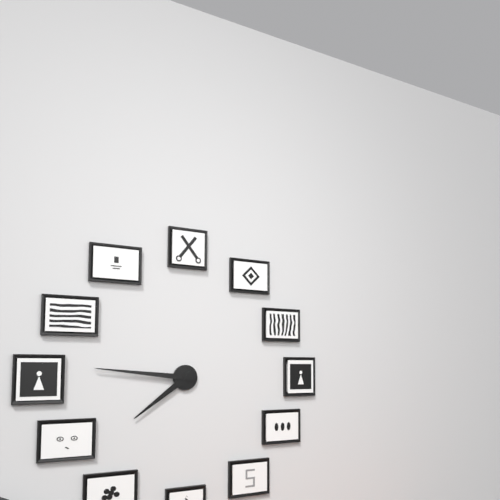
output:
7 h 46 min
